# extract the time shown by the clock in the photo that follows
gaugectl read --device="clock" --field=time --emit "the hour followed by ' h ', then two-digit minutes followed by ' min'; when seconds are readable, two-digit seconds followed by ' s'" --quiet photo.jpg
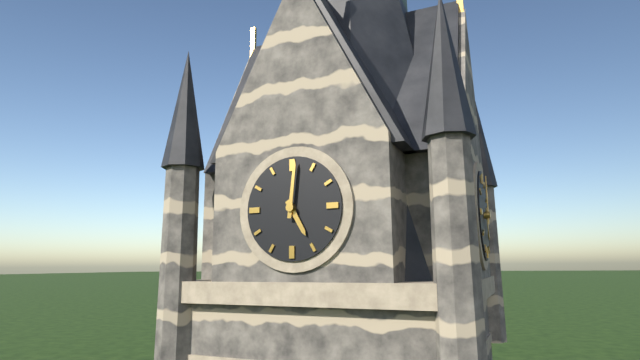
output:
5 h 01 min
